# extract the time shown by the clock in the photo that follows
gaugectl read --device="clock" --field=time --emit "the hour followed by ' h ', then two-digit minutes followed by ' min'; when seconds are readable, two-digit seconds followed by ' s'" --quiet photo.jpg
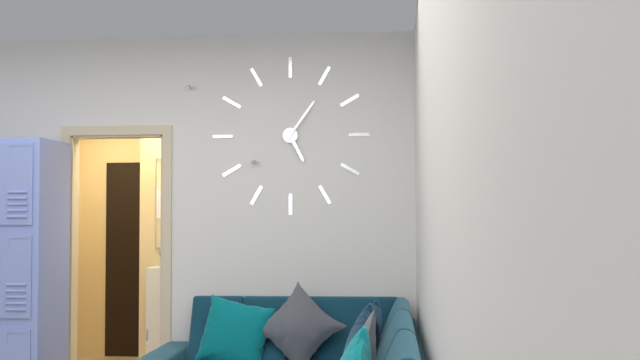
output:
5 h 06 min
